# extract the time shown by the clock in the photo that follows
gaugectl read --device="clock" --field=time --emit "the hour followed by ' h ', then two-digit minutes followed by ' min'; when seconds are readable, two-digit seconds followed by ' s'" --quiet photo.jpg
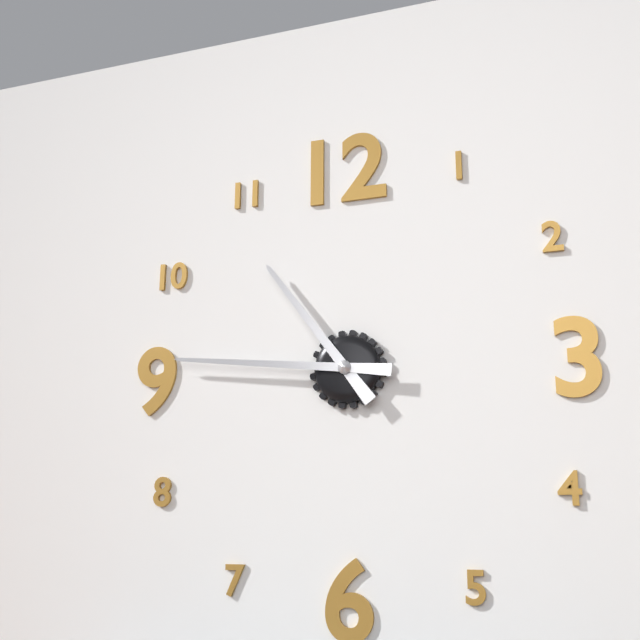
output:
10 h 46 min
